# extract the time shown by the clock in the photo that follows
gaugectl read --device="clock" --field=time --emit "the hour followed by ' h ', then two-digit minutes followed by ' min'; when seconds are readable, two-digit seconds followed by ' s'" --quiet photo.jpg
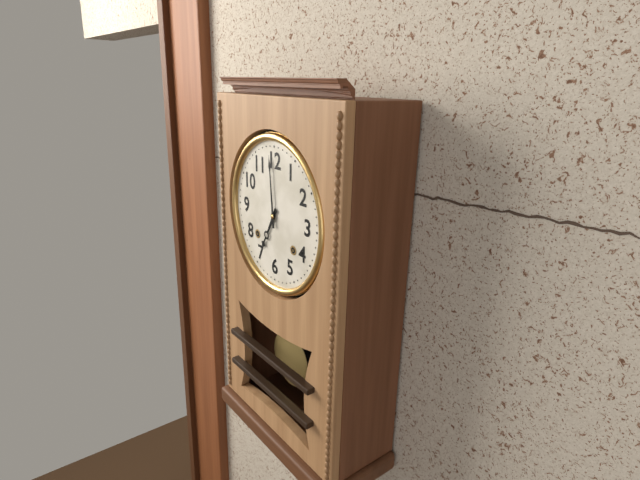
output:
6 h 59 min
